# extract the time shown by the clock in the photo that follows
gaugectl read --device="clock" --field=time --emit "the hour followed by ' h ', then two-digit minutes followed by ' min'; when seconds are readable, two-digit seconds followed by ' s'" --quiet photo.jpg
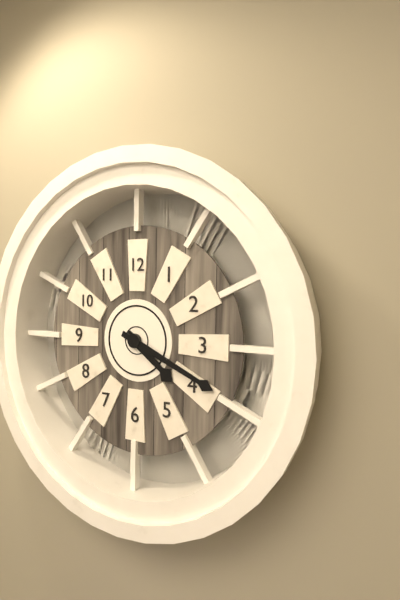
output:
4 h 19 min
